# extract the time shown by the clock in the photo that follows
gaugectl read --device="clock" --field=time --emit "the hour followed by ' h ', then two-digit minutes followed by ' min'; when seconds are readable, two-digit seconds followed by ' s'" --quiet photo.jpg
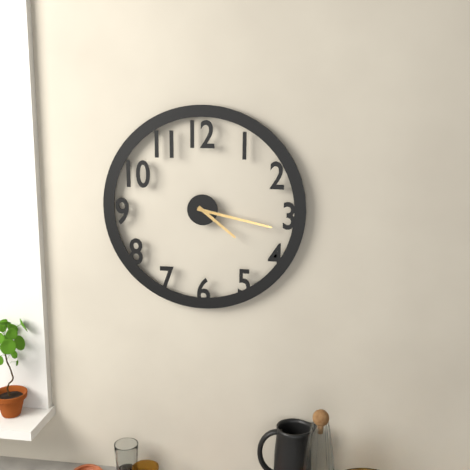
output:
4 h 17 min
